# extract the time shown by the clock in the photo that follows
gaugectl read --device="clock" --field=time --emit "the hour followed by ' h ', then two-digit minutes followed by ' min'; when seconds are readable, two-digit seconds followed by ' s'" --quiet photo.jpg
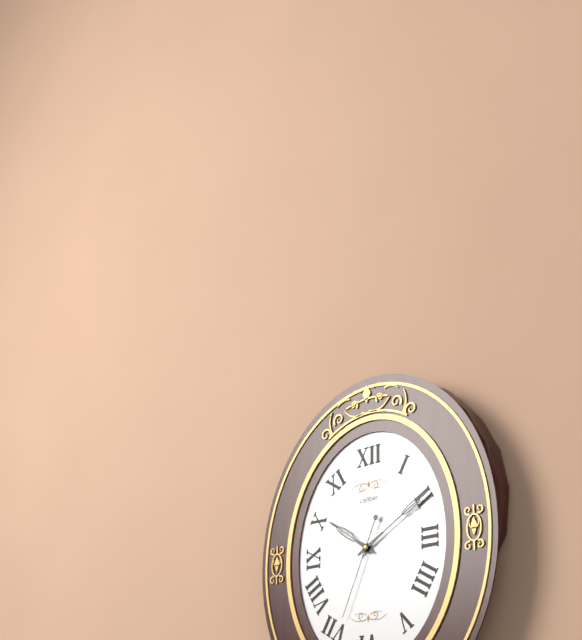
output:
10 h 10 min 34 s
